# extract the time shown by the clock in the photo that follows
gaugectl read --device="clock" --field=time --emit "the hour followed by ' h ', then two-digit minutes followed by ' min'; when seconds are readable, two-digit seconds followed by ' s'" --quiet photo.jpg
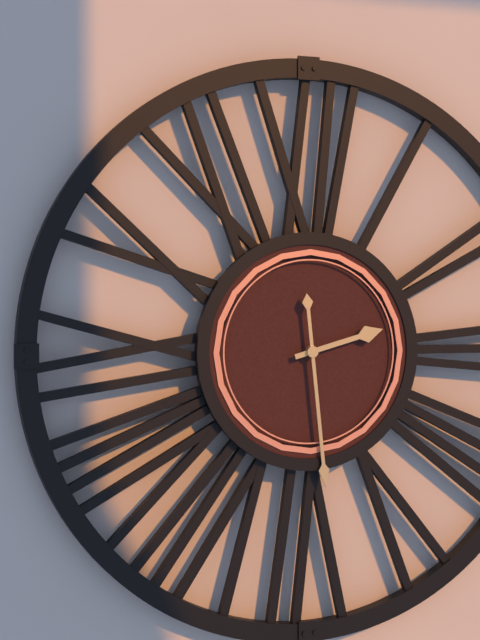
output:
2 h 29 min
